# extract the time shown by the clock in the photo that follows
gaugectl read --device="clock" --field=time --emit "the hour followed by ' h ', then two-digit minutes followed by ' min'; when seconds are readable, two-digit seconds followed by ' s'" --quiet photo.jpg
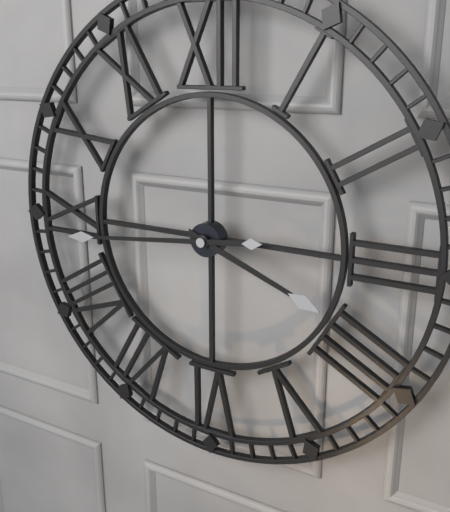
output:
3 h 44 min
